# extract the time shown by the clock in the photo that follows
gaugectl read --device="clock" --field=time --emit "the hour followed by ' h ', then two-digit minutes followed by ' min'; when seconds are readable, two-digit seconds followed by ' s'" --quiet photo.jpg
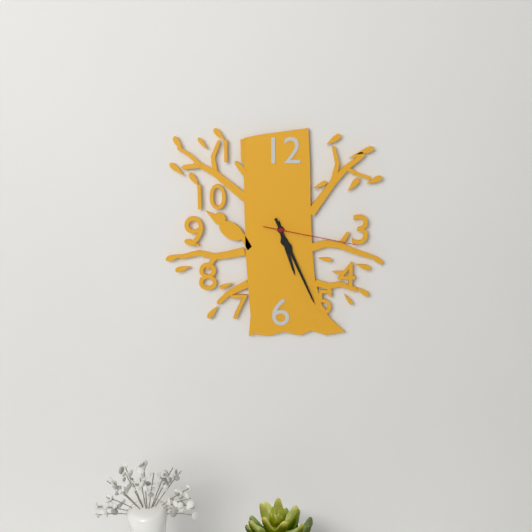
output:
5 h 26 min 17 s
